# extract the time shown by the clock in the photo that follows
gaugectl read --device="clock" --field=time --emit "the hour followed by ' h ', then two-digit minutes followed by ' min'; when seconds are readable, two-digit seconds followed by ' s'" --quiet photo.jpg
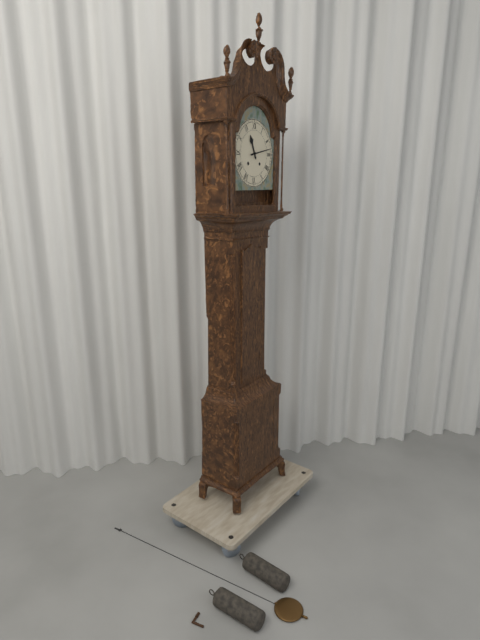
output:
11 h 13 min
